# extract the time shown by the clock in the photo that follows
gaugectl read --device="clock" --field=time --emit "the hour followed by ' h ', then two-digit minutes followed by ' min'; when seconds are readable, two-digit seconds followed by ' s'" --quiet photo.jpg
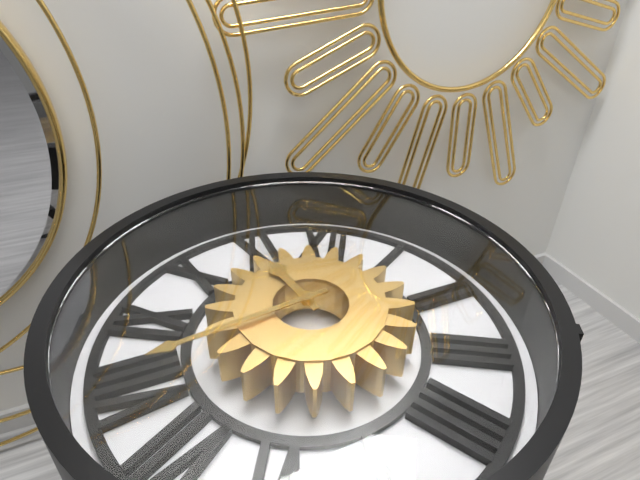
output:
10 h 39 min
